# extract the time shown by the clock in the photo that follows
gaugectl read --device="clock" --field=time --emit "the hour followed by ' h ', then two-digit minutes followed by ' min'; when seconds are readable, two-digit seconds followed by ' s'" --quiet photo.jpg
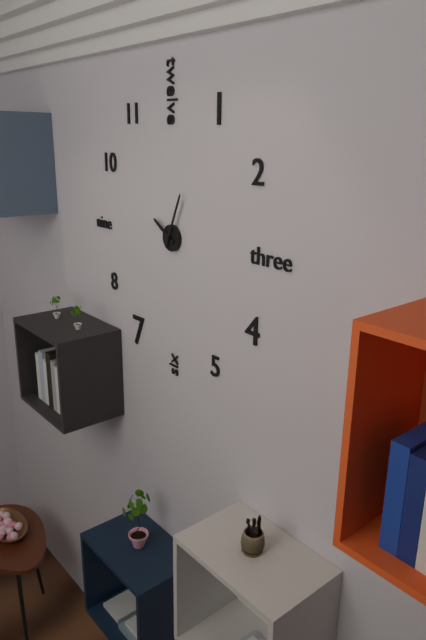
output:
10 h 04 min
